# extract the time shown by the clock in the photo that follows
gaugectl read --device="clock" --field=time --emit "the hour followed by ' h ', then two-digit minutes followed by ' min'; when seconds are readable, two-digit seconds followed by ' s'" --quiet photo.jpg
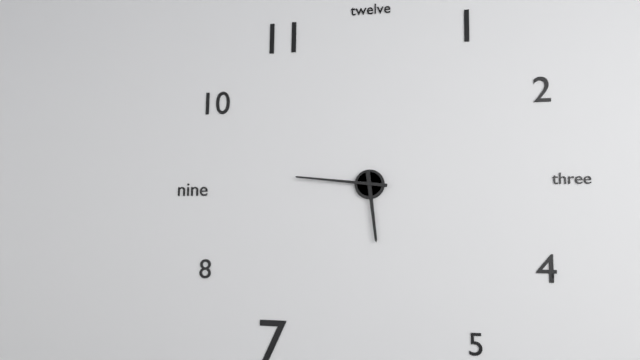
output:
5 h 46 min
